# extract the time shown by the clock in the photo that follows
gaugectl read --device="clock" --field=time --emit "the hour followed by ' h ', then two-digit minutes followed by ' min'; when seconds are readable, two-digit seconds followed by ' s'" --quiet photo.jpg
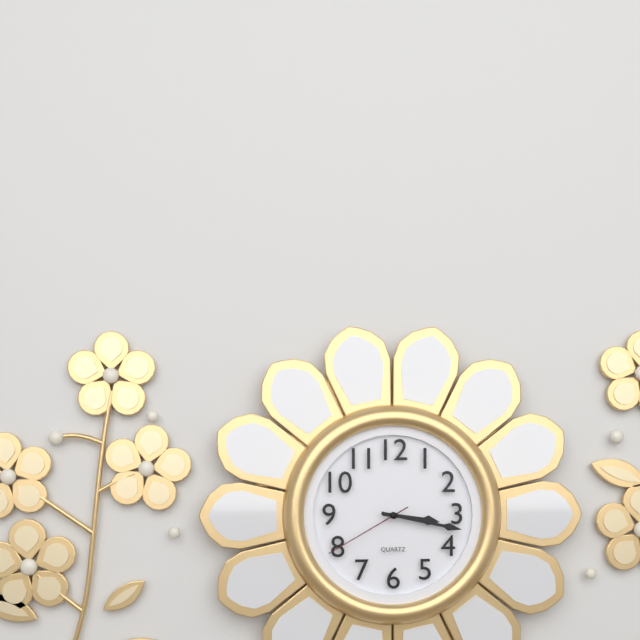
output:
3 h 17 min 40 s
